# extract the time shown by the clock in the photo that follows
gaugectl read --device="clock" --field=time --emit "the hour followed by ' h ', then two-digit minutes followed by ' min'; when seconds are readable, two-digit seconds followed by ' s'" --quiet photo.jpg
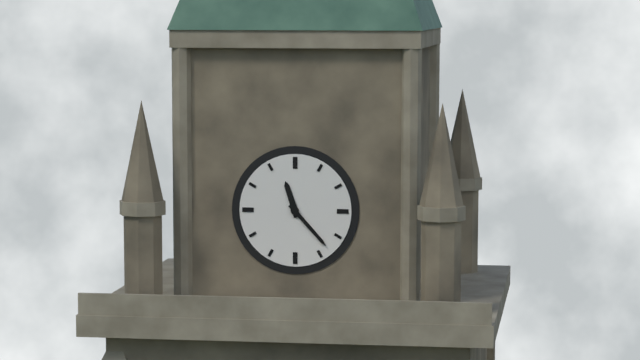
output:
11 h 23 min
